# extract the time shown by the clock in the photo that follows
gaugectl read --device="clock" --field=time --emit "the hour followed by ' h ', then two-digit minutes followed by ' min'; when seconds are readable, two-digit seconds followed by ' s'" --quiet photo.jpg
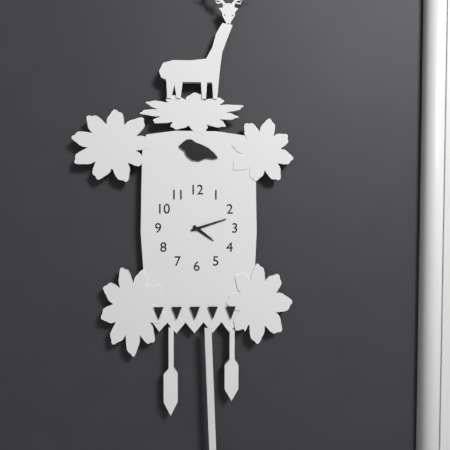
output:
4 h 12 min
